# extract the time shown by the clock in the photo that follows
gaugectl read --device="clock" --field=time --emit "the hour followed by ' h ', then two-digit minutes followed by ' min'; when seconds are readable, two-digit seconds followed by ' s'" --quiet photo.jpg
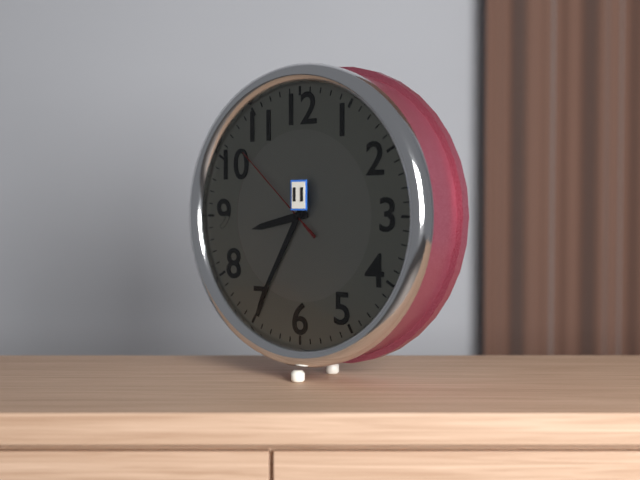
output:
8 h 35 min 52 s
